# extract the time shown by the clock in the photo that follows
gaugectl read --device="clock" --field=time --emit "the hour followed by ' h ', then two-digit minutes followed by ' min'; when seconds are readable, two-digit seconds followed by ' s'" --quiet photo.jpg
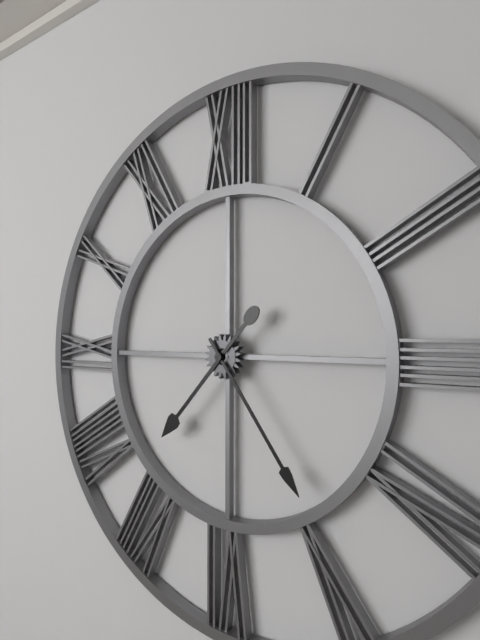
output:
7 h 24 min
